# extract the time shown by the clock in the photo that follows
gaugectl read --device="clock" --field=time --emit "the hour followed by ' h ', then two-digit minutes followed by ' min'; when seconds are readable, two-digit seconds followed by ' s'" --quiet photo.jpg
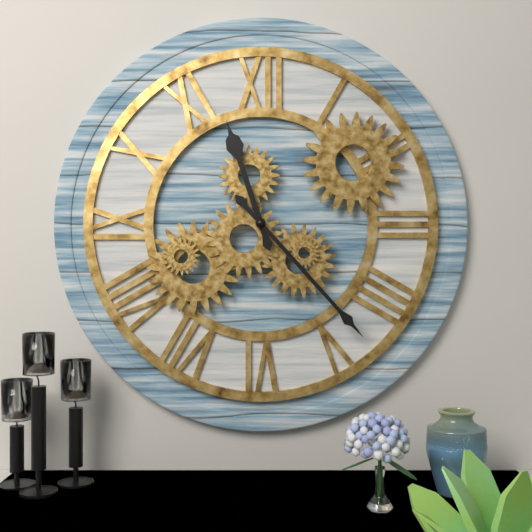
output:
11 h 23 min
